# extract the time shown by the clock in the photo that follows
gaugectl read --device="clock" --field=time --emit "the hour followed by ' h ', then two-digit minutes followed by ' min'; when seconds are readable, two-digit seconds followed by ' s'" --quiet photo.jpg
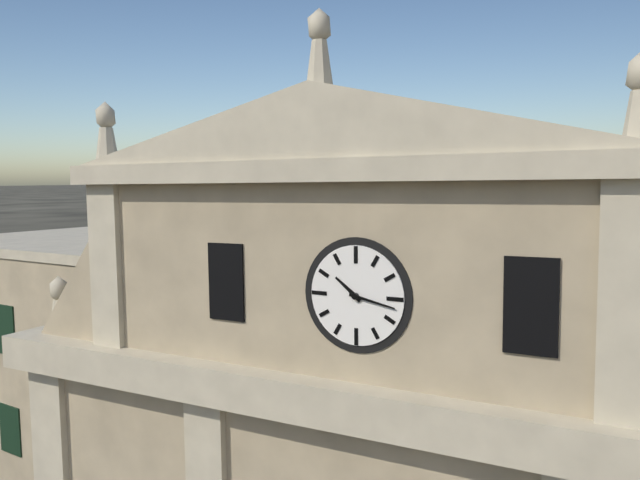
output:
10 h 17 min
